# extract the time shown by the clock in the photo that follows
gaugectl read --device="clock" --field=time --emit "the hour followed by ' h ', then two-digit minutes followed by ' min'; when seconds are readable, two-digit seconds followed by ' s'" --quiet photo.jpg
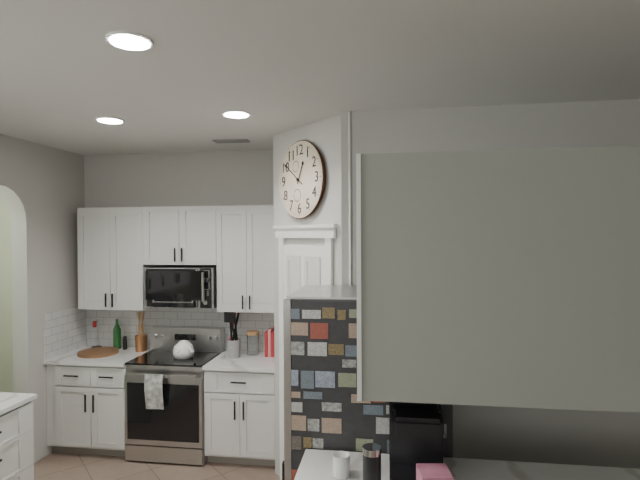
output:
12 h 51 min
